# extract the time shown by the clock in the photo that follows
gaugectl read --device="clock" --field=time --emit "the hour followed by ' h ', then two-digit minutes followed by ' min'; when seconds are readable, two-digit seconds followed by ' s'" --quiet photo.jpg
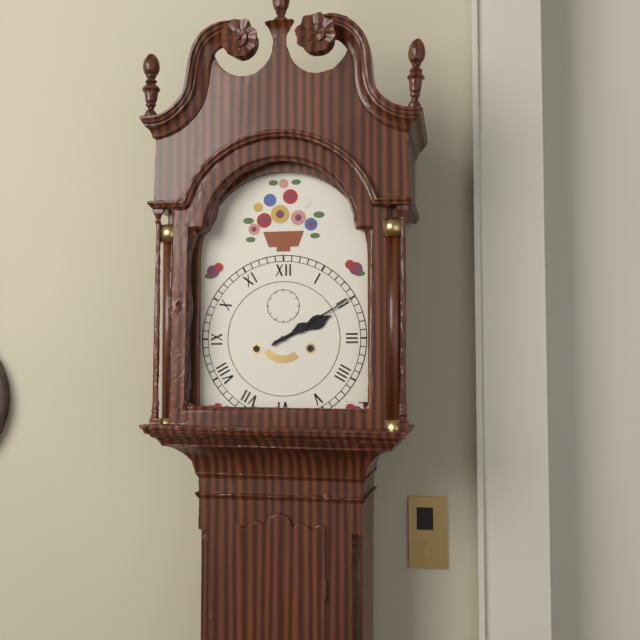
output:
2 h 10 min
